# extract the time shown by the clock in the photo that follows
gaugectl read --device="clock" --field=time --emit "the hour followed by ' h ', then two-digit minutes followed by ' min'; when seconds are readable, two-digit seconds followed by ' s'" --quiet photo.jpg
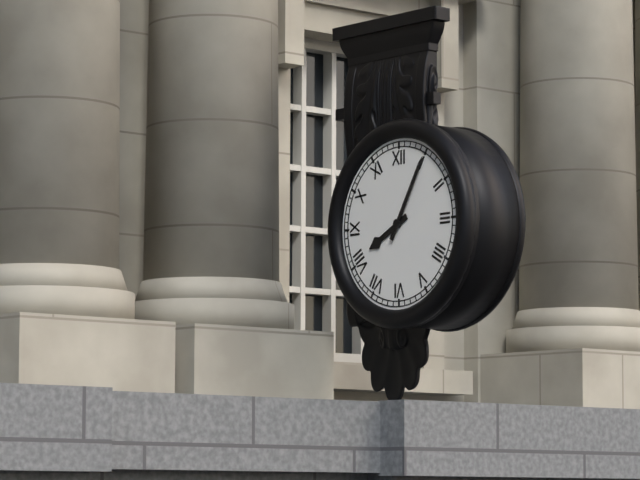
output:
8 h 05 min
